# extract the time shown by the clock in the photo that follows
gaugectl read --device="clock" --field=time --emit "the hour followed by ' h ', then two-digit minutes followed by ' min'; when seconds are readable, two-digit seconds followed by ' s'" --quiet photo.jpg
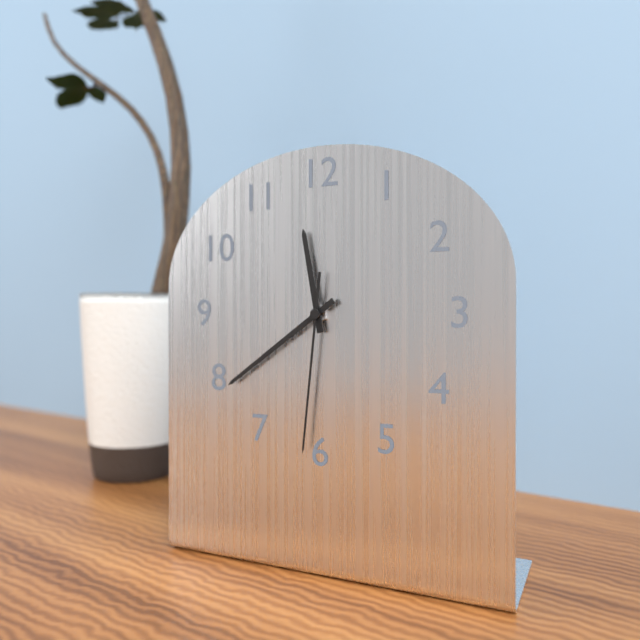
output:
11 h 39 min 31 s
